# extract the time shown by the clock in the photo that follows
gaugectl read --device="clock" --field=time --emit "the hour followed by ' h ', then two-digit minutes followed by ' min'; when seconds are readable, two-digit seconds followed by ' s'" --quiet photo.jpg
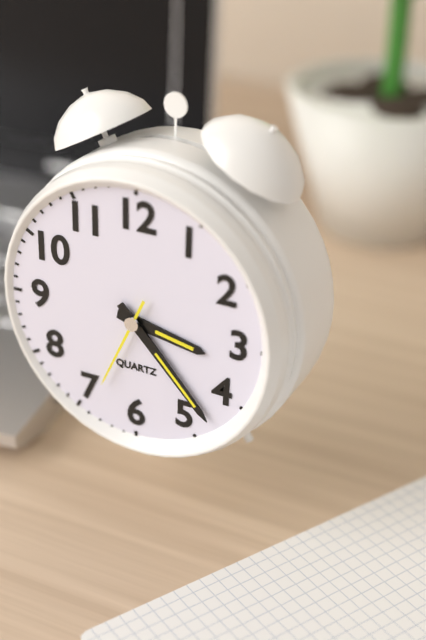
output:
3 h 23 min 34 s
